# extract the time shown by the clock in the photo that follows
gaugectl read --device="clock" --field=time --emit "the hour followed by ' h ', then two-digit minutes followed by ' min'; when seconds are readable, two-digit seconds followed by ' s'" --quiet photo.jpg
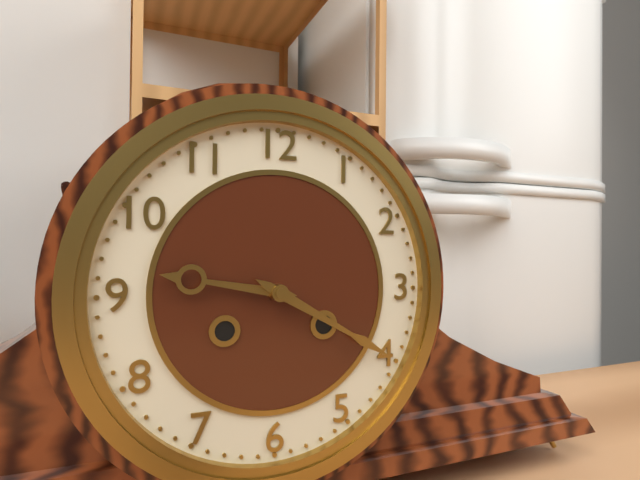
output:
9 h 20 min
